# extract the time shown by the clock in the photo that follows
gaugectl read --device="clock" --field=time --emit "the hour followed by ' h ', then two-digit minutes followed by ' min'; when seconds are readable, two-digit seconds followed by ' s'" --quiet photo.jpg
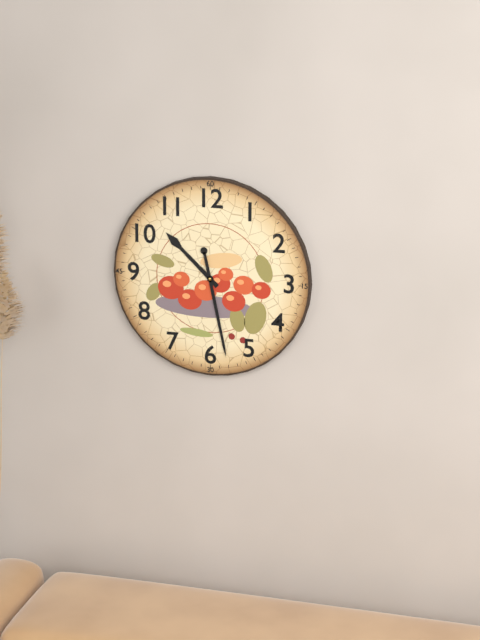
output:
10 h 28 min
